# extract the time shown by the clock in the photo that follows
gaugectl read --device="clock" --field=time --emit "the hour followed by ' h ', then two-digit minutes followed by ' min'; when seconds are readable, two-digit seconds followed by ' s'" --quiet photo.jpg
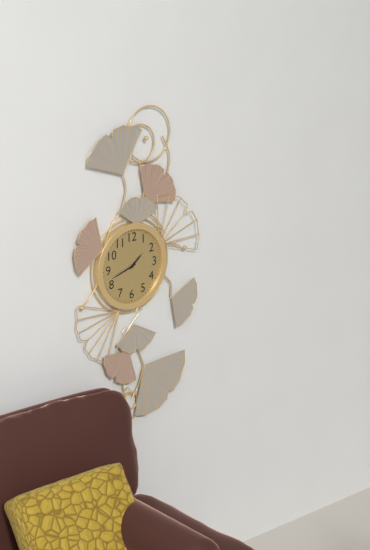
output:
1 h 42 min
